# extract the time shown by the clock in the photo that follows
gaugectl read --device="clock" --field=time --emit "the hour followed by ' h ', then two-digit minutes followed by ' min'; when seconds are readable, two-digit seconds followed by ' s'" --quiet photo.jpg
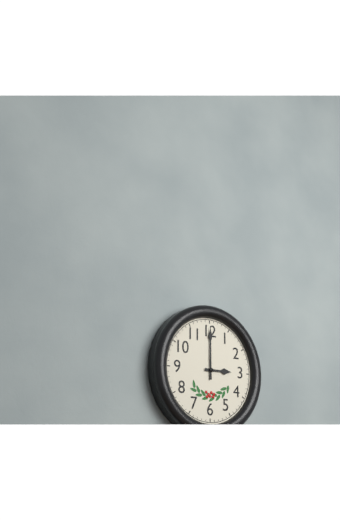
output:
3 h 00 min
